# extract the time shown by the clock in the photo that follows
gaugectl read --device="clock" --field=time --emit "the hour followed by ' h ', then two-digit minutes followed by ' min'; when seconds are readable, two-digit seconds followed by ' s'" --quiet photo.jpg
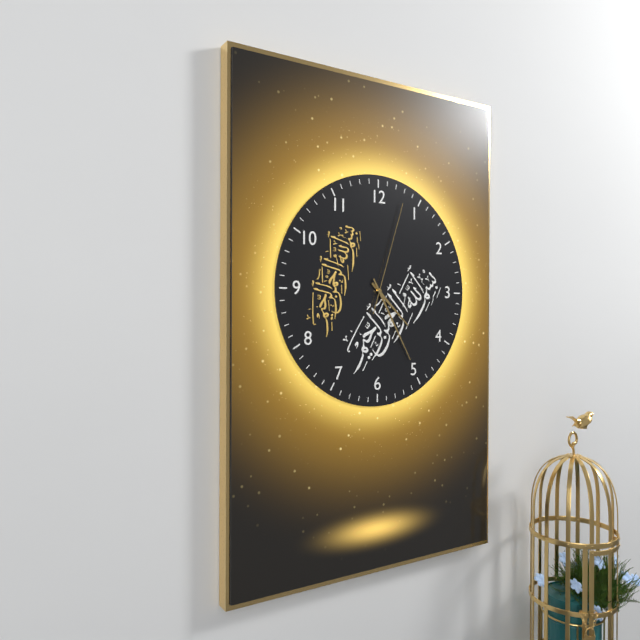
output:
4 h 25 min 03 s
